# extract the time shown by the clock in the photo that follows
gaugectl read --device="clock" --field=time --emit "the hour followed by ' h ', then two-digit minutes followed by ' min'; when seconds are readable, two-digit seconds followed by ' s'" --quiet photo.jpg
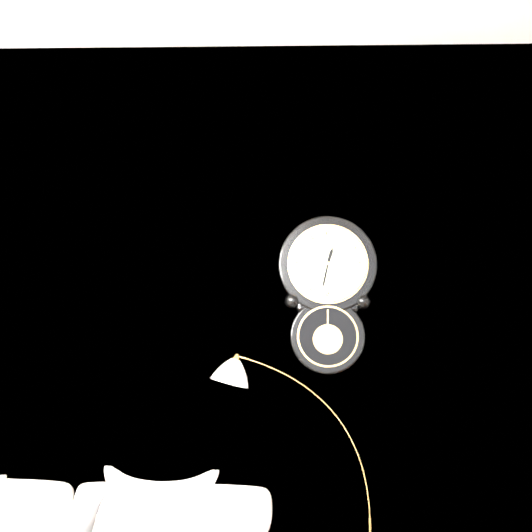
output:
12 h 32 min
